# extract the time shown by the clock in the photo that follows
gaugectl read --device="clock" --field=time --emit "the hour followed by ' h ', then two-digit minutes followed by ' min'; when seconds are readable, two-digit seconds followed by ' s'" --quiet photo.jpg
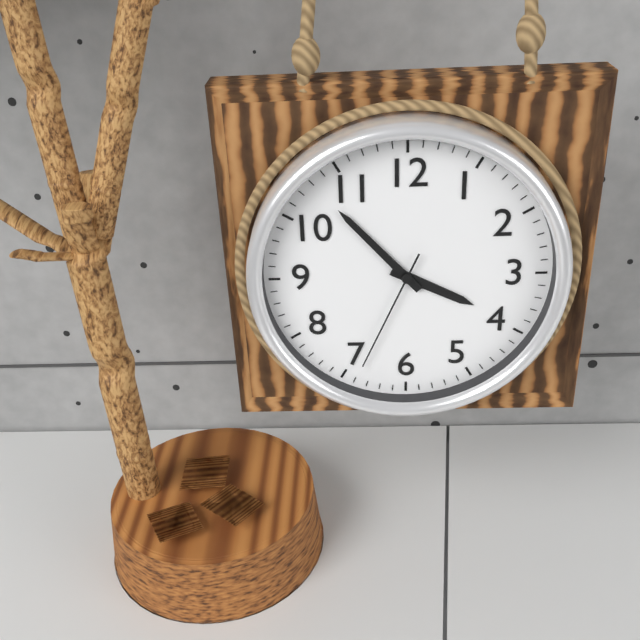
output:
3 h 53 min 34 s
